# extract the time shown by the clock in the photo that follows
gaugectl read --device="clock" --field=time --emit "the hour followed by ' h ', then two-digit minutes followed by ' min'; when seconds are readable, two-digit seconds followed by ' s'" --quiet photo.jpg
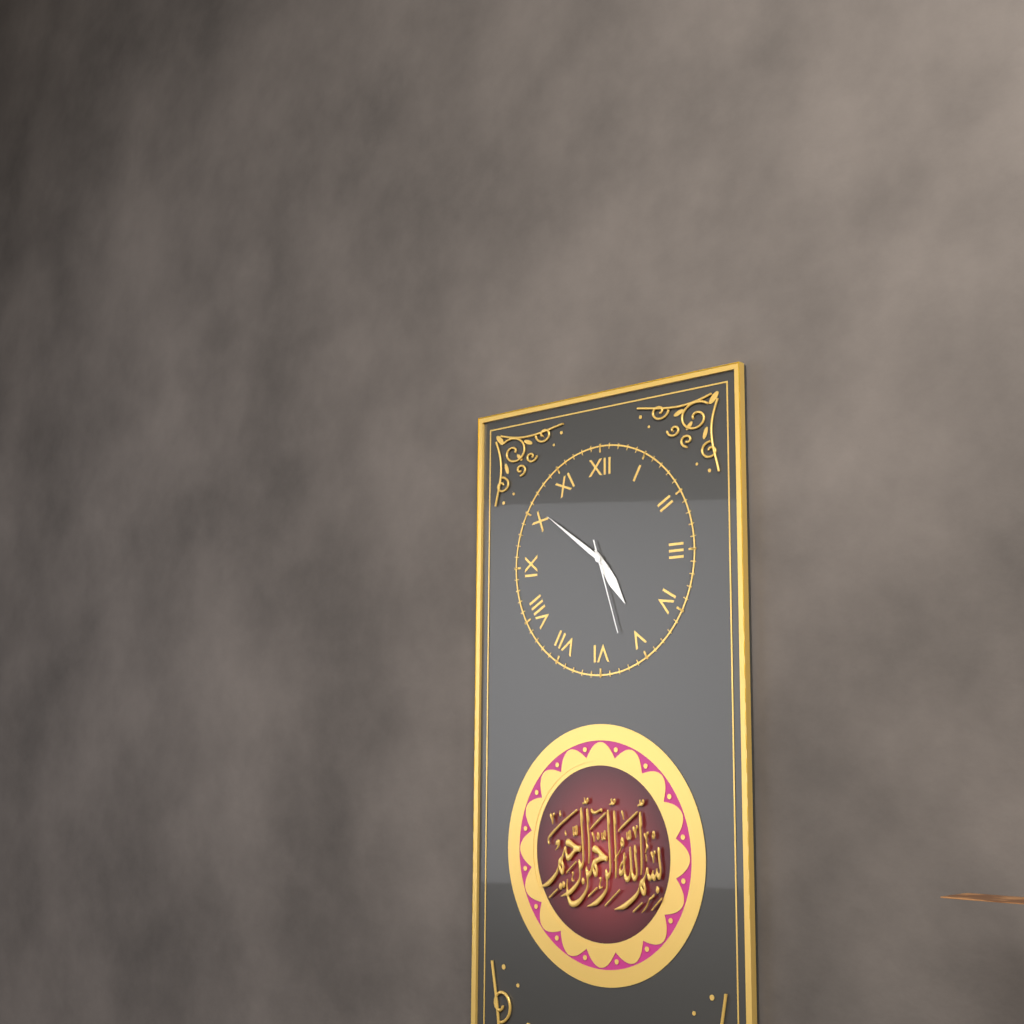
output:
4 h 51 min 27 s
